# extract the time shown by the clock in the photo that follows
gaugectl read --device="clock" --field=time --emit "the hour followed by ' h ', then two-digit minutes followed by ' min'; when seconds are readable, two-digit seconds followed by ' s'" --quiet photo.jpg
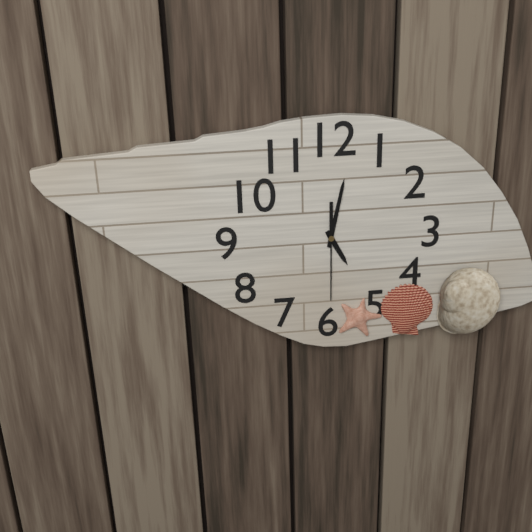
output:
5 h 02 min 30 s
